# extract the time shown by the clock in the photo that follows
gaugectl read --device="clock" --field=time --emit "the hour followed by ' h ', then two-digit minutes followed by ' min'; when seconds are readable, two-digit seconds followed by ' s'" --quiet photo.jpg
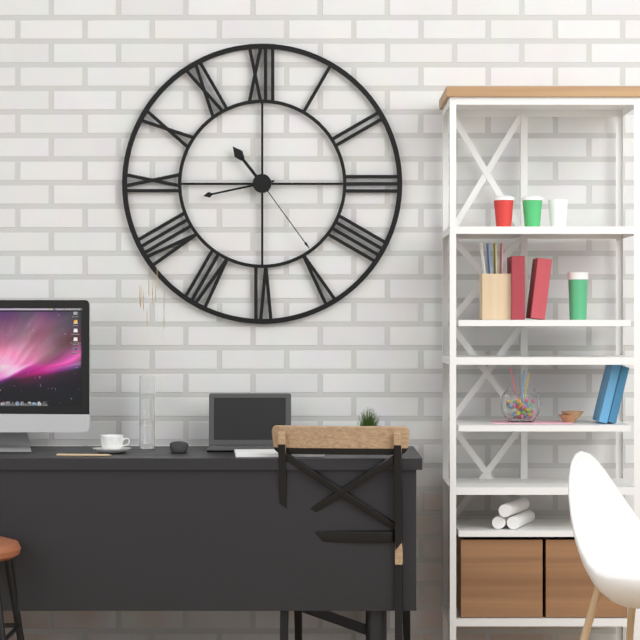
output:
10 h 43 min 24 s
